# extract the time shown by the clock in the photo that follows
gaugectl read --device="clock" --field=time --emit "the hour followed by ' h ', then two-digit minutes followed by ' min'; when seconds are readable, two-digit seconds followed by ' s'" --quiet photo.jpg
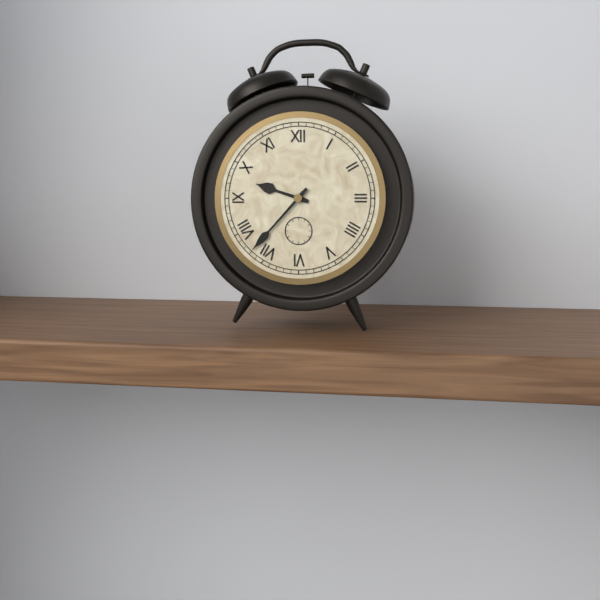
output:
9 h 37 min
